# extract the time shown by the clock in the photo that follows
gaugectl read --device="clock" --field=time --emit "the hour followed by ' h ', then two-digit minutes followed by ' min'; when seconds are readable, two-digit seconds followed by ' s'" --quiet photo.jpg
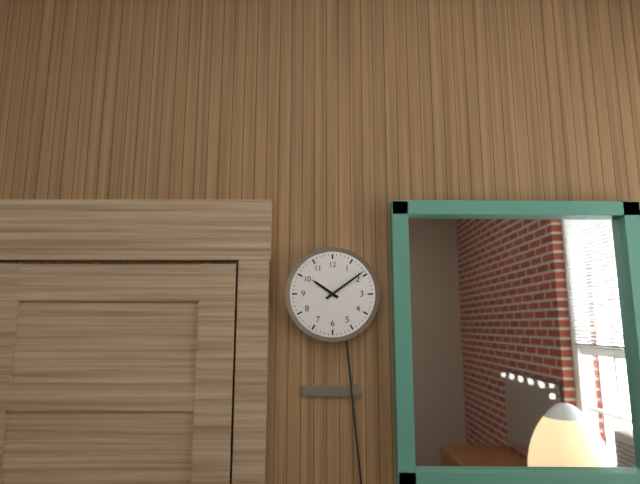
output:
10 h 09 min
